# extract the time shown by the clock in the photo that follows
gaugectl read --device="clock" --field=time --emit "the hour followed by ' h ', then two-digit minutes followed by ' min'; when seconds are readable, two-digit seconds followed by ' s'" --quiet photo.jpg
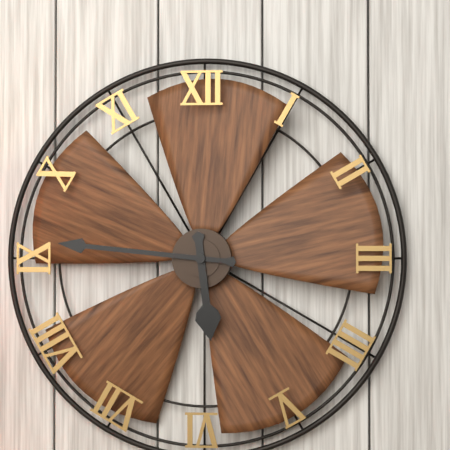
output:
5 h 46 min
